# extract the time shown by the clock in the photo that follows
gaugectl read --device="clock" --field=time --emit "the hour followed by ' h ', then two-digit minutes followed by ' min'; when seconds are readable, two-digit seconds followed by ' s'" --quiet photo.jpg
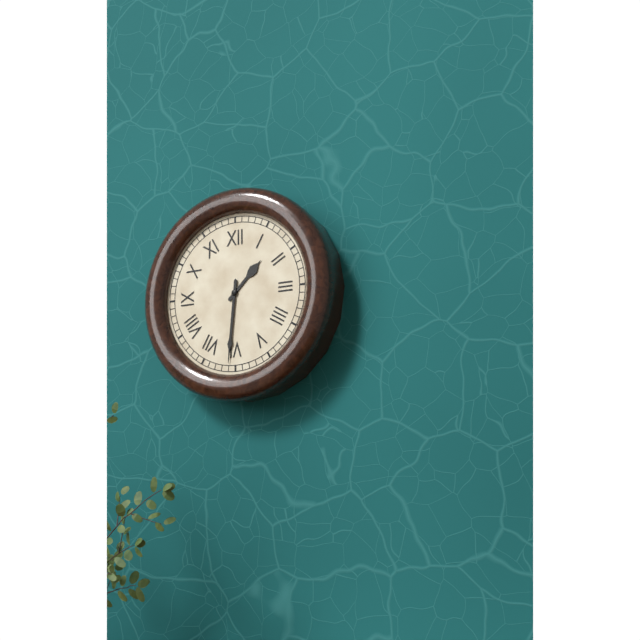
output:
1 h 31 min
